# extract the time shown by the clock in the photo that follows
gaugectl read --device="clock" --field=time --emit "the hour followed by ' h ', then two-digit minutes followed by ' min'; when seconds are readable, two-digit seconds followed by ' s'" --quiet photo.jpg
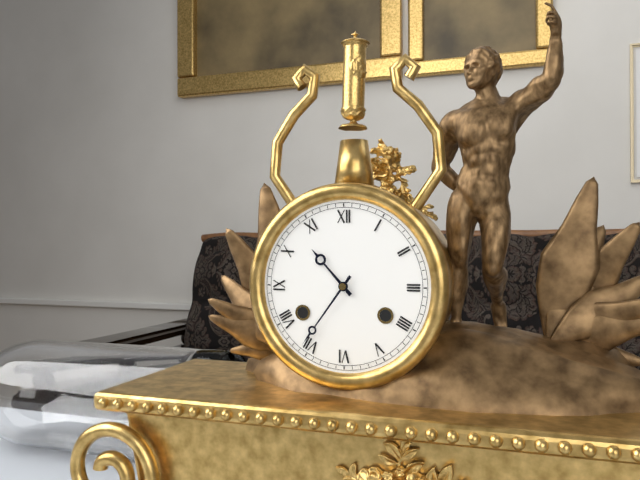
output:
10 h 36 min
